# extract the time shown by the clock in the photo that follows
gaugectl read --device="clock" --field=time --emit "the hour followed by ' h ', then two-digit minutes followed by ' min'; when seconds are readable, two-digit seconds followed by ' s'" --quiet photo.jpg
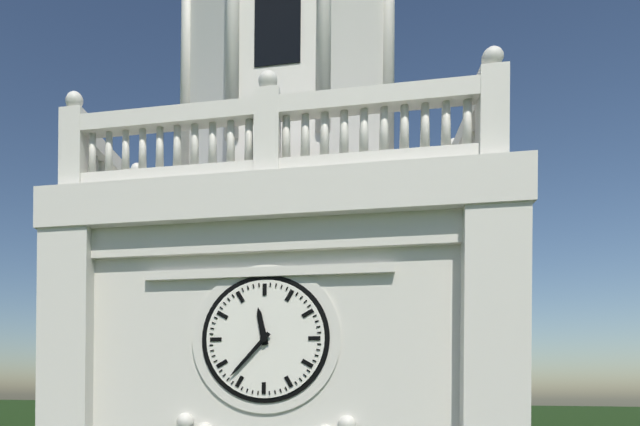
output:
11 h 37 min
